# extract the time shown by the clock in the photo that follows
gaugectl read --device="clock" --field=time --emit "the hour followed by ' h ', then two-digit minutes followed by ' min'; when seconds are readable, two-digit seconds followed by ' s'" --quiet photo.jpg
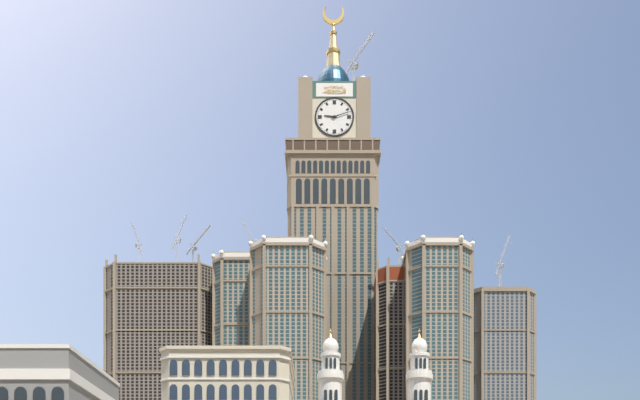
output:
9 h 12 min
